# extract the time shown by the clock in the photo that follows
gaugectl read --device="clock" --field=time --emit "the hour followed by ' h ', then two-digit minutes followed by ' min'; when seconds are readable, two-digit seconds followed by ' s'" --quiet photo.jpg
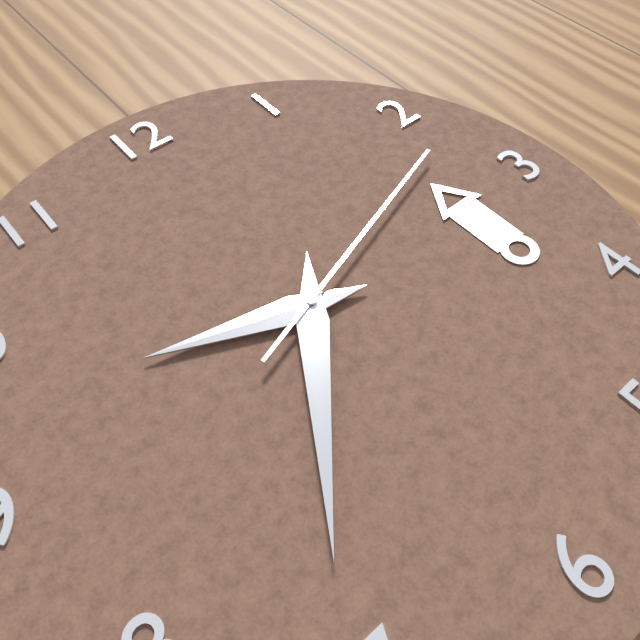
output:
9 h 36 min 12 s
